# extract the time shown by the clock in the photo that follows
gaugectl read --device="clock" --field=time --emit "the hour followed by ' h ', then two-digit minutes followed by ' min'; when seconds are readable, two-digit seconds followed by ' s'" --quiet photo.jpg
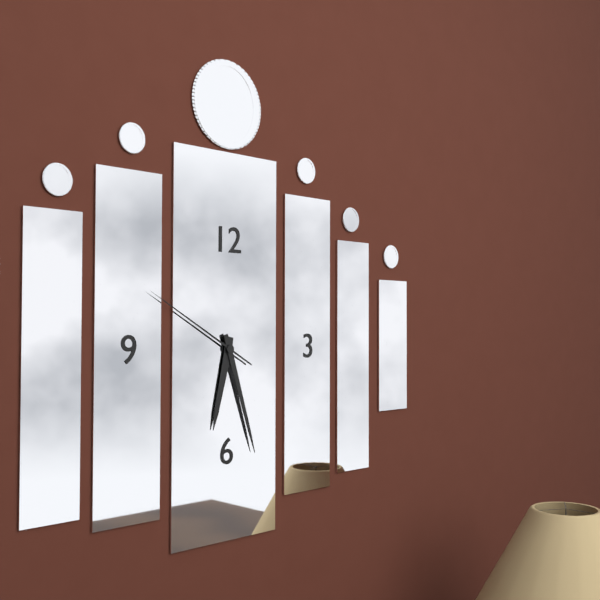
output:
6 h 27 min 50 s
